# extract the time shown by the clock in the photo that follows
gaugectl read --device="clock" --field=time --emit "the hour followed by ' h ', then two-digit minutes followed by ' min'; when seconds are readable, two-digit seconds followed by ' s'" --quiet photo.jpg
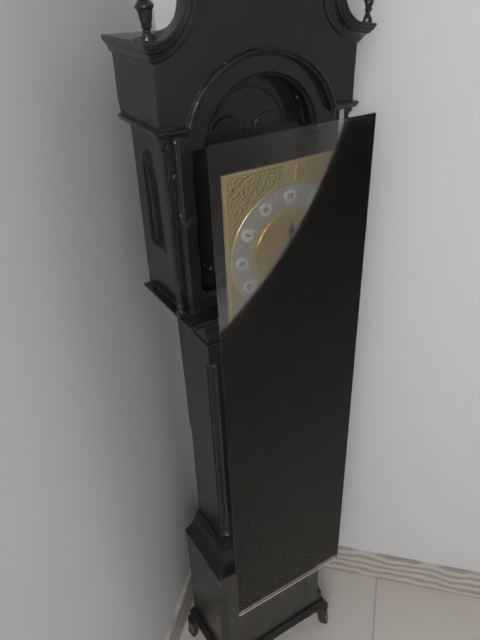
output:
12 h 09 min
